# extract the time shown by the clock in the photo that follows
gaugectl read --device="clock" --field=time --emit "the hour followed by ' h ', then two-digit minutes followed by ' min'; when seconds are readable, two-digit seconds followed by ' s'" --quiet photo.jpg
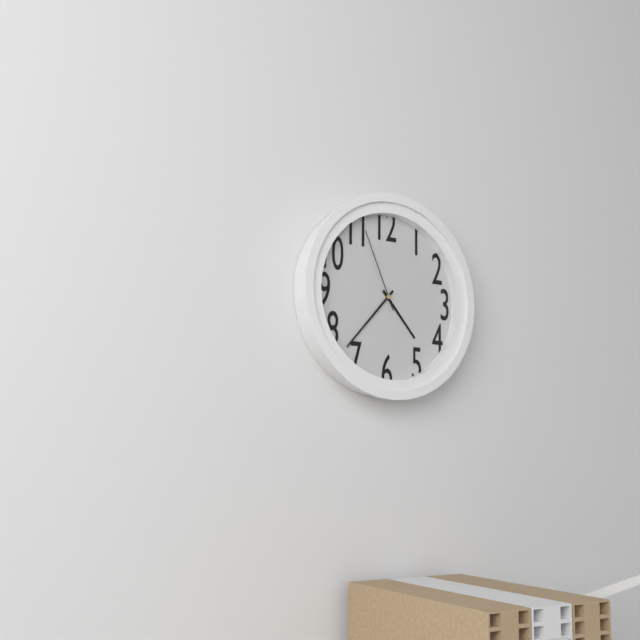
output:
4 h 37 min 56 s
